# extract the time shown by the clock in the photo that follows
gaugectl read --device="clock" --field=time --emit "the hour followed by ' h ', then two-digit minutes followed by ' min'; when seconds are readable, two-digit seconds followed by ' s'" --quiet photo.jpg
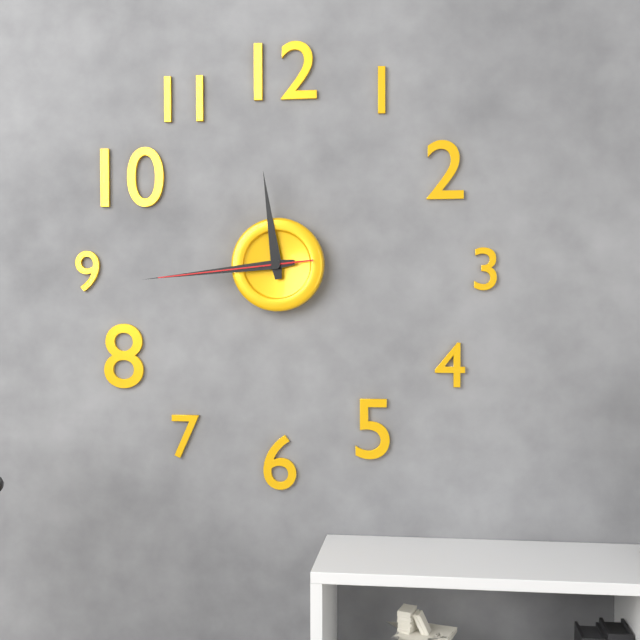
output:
11 h 44 min 44 s
